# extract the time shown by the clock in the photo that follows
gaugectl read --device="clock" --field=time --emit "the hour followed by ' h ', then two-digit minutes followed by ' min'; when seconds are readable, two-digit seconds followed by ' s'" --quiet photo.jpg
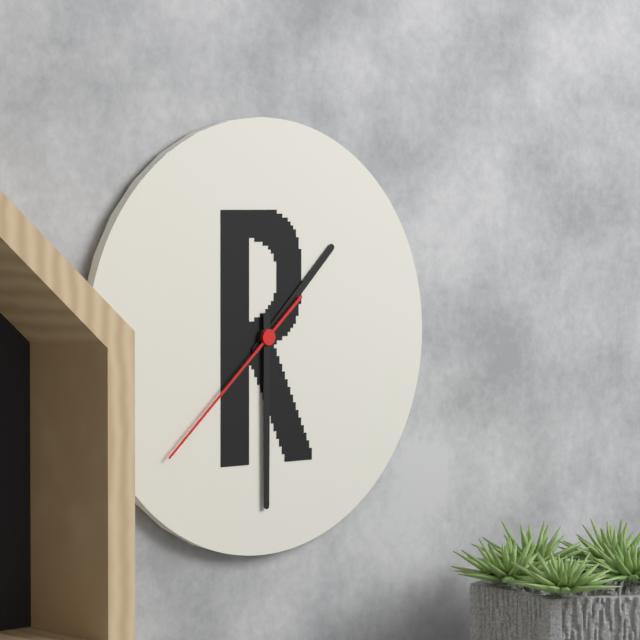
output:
1 h 30 min 38 s
